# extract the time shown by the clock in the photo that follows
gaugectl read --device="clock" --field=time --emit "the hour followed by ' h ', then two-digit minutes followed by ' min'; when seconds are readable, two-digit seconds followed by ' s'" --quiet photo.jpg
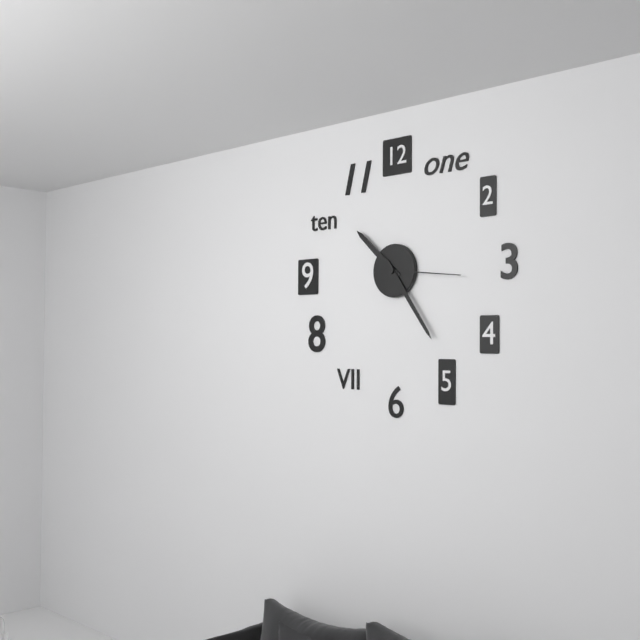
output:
10 h 24 min 16 s
